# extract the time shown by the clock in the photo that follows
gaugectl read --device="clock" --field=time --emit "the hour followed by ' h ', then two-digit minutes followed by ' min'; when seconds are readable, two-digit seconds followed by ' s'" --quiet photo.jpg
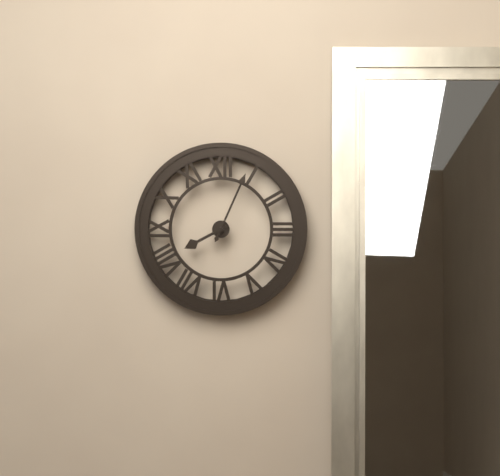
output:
8 h 04 min
